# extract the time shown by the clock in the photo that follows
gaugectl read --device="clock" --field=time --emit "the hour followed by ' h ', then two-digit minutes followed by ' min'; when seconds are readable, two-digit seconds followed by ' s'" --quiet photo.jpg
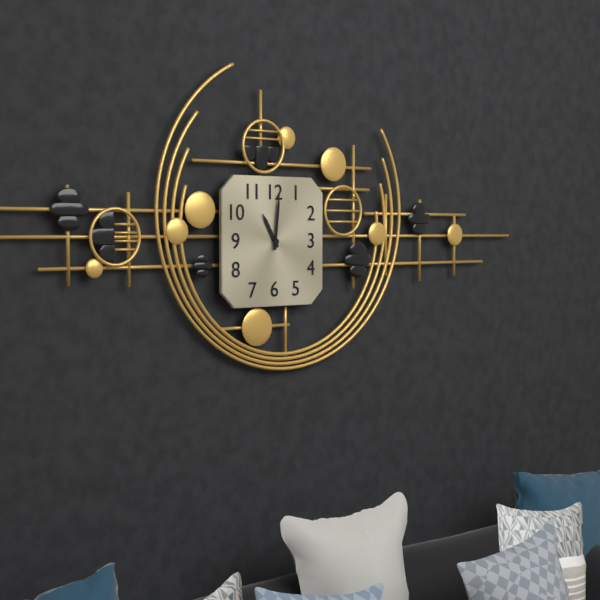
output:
11 h 01 min
